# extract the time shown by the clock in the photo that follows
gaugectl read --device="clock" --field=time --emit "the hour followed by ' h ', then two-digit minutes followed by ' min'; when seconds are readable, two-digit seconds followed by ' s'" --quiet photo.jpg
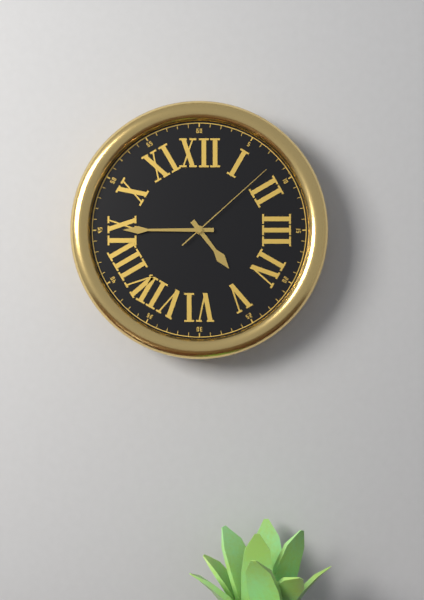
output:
4 h 45 min 08 s
